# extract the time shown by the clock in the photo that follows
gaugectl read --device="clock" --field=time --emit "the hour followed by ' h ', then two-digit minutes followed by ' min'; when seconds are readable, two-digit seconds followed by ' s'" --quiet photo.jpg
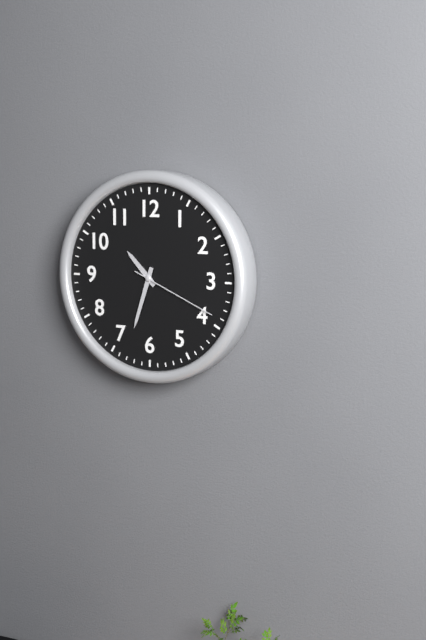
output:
10 h 33 min 19 s
